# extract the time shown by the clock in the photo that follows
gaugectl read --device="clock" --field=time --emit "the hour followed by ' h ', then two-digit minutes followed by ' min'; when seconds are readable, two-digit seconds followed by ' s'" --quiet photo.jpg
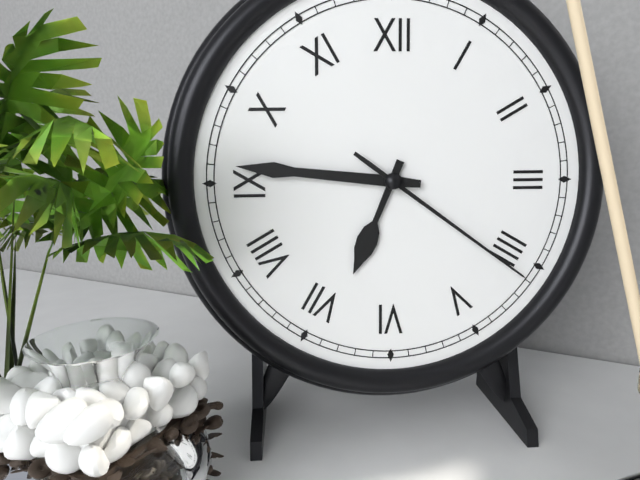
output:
6 h 46 min 21 s
